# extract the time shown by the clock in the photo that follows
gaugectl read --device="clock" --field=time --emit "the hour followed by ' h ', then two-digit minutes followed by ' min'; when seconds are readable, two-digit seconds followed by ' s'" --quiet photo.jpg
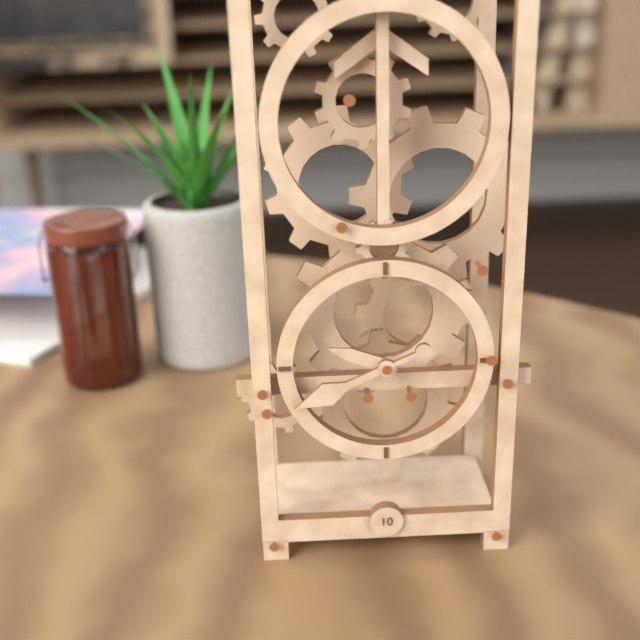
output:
9 h 41 min
